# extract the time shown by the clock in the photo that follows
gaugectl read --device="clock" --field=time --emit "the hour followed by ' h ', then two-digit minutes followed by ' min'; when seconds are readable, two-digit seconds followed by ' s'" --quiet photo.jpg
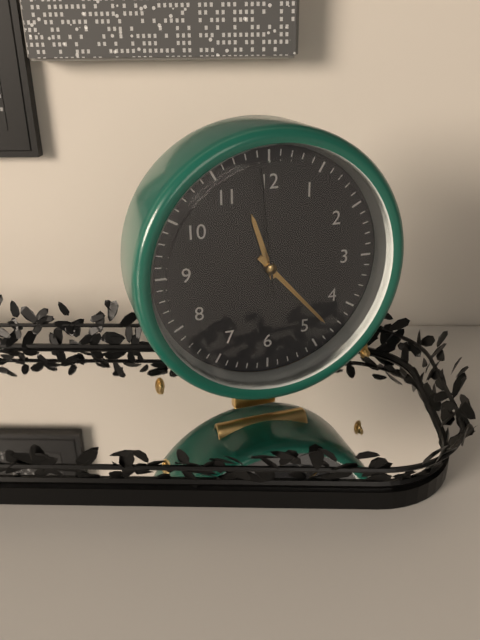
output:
11 h 23 min 59 s
